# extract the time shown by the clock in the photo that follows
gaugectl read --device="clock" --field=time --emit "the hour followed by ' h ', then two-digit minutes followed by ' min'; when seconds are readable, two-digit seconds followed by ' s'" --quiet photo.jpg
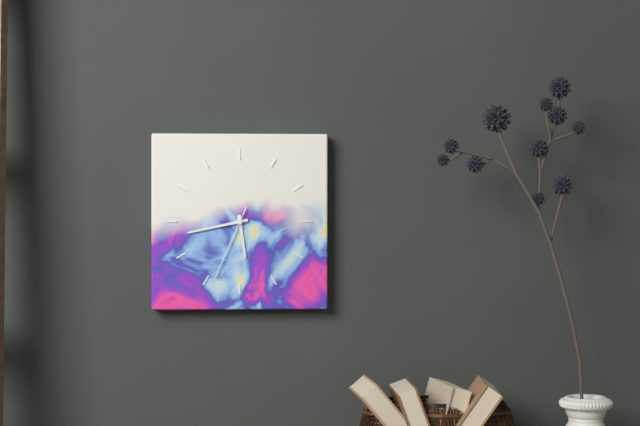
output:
5 h 43 min 34 s
